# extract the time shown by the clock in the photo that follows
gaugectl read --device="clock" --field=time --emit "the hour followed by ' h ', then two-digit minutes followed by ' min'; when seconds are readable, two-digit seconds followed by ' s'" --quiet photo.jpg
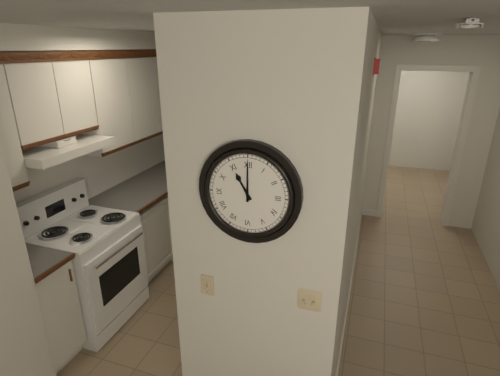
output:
11 h 00 min
